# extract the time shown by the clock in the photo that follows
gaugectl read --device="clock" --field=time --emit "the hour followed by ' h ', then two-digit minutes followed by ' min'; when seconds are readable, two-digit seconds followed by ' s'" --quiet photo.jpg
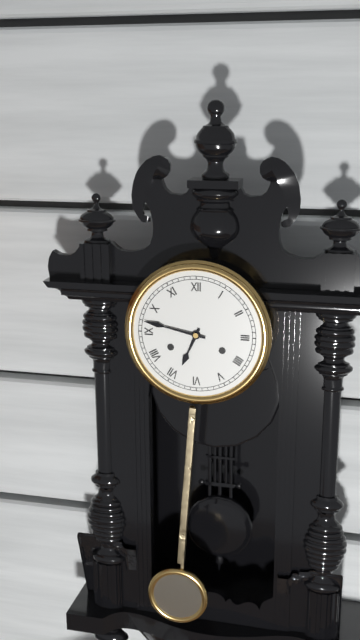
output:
6 h 47 min
